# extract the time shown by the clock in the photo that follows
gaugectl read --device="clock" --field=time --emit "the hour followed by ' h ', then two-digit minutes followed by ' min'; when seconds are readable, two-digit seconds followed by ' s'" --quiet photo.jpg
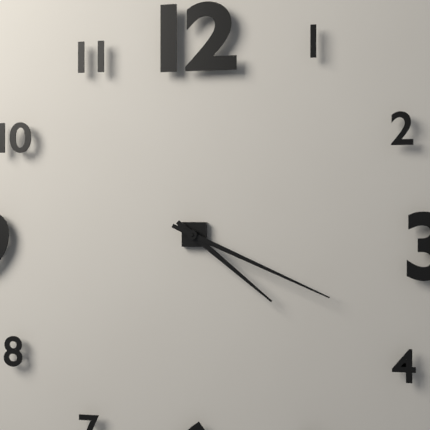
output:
4 h 19 min
